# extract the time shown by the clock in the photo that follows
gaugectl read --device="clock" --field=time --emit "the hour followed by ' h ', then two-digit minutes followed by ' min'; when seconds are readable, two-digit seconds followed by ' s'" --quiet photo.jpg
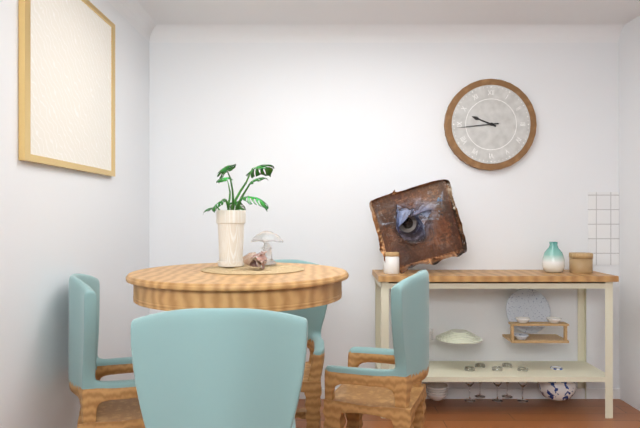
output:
9 h 44 min
